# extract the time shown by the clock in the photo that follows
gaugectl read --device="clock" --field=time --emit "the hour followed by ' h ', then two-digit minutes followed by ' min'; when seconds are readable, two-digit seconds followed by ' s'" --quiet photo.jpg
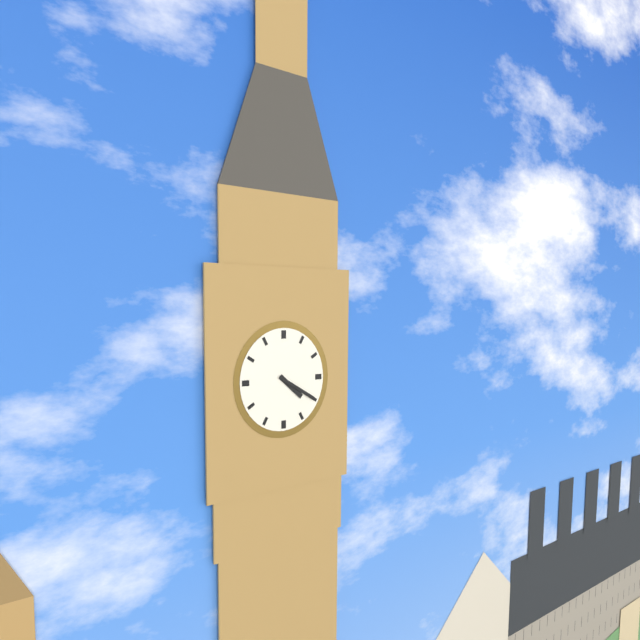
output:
4 h 20 min
